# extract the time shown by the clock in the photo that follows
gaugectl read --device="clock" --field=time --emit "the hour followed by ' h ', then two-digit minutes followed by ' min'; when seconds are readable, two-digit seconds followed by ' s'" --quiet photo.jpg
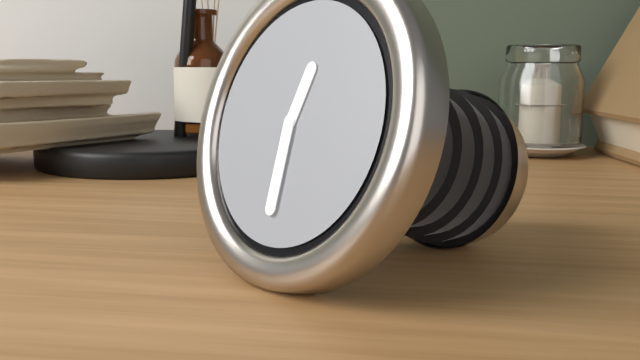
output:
12 h 30 min
